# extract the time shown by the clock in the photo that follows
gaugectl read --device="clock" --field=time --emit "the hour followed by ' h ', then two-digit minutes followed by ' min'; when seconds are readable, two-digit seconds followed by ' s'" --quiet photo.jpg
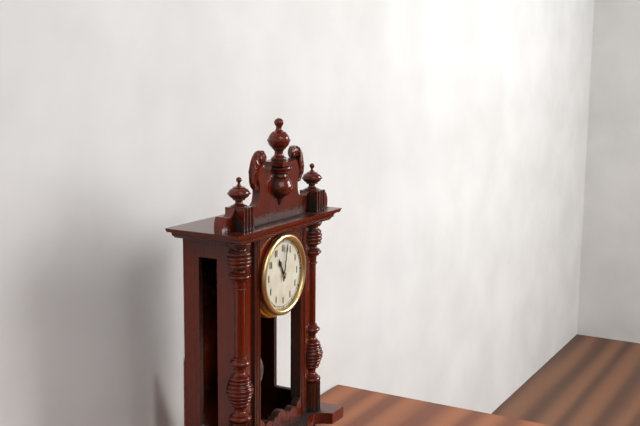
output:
11 h 02 min
